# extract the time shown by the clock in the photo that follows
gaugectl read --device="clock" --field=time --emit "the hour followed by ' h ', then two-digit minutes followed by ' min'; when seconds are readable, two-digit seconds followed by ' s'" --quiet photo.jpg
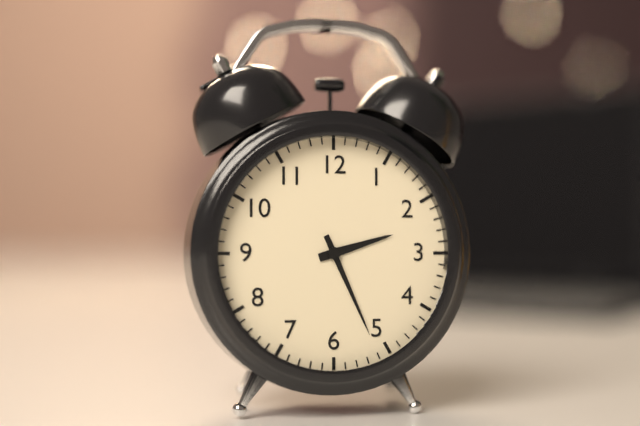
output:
2 h 26 min
